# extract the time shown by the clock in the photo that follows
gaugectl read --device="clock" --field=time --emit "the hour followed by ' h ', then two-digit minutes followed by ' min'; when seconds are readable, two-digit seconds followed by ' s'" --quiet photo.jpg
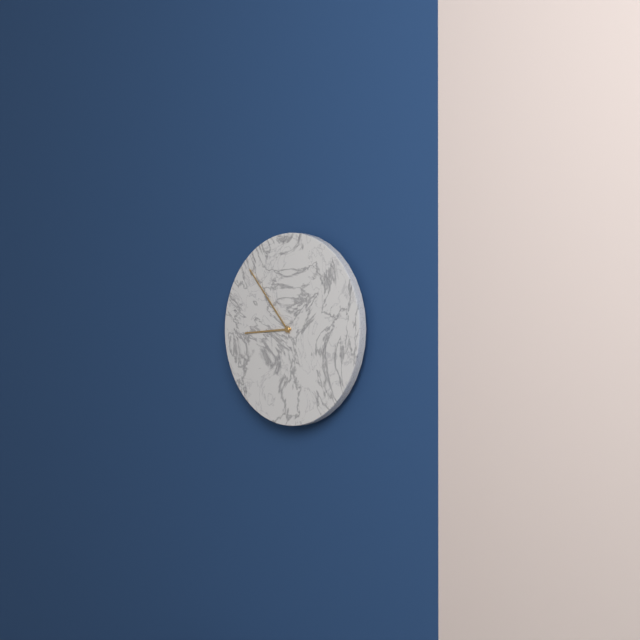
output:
8 h 53 min
